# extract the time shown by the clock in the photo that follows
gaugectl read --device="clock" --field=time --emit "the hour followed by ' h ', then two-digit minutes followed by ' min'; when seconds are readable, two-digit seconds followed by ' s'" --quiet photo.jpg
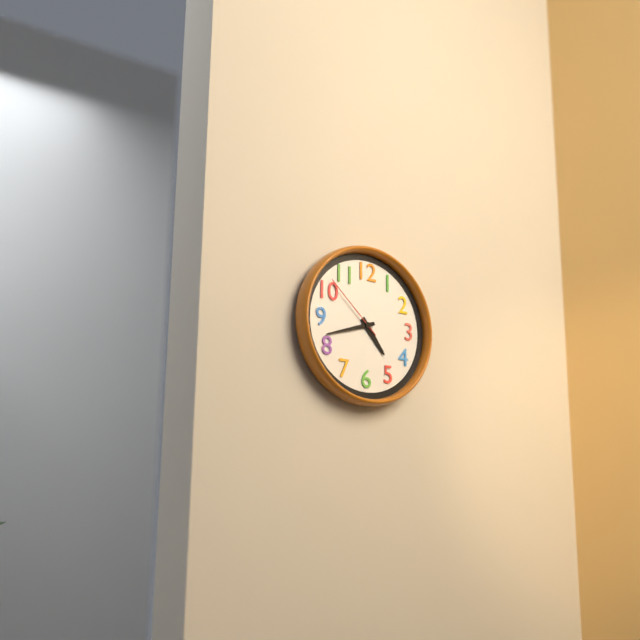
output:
4 h 42 min 52 s
